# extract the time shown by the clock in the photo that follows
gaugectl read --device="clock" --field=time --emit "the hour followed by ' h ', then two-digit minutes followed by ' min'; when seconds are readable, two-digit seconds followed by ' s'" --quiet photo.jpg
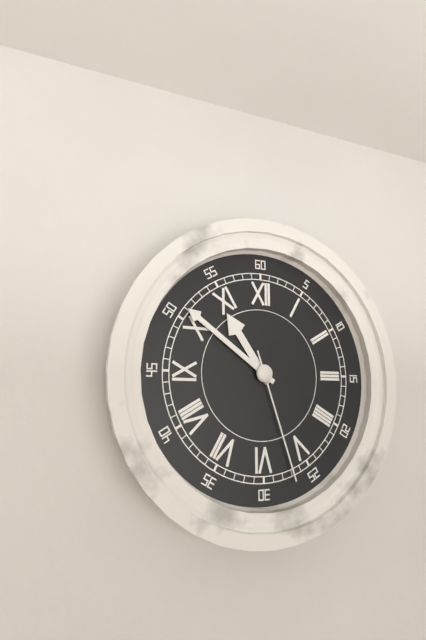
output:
10 h 51 min 27 s
